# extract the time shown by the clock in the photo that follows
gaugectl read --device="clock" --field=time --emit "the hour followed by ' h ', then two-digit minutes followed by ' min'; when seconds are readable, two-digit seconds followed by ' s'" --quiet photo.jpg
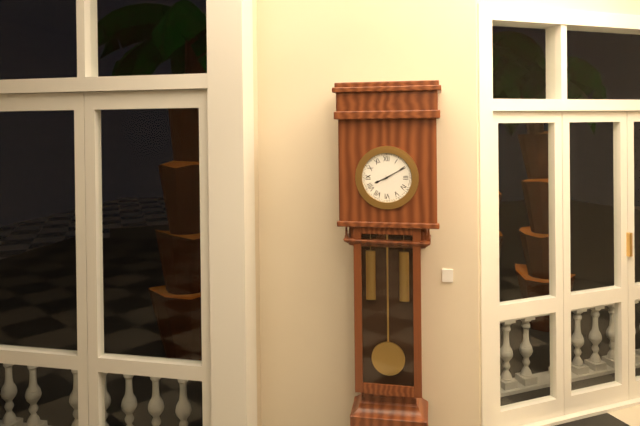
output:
8 h 10 min
